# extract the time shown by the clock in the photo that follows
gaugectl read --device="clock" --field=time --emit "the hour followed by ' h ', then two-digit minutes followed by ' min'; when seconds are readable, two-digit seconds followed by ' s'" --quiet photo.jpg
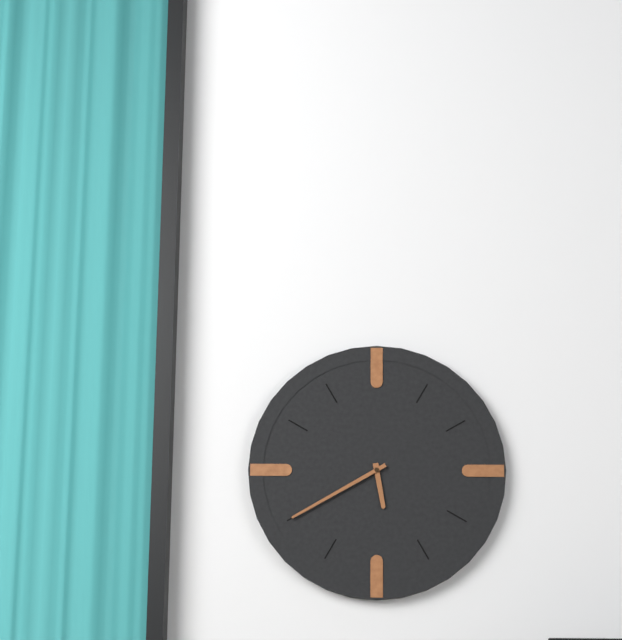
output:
5 h 40 min
